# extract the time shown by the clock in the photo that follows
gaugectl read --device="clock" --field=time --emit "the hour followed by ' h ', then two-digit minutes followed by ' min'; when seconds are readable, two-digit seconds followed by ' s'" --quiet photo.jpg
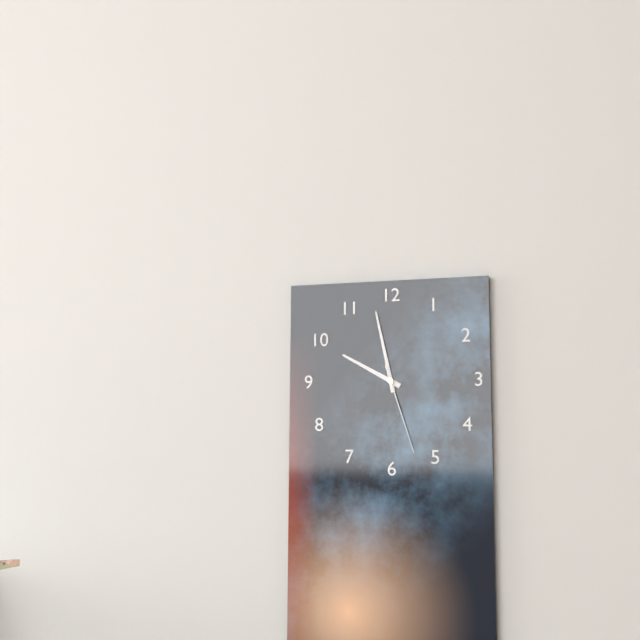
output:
9 h 58 min 27 s
